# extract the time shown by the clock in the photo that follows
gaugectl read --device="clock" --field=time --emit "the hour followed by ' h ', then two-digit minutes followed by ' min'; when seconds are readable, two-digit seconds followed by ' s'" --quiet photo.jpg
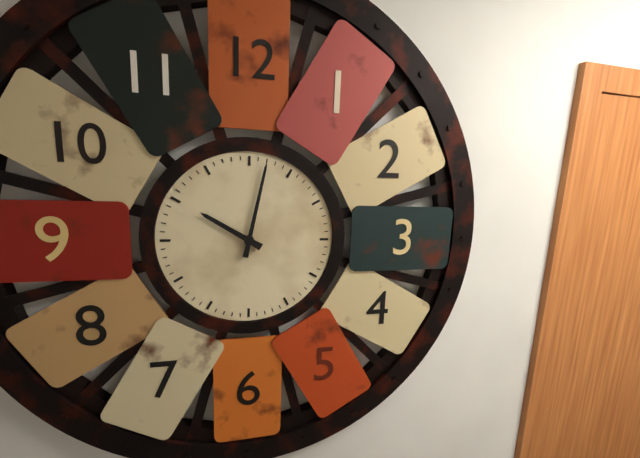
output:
10 h 02 min
